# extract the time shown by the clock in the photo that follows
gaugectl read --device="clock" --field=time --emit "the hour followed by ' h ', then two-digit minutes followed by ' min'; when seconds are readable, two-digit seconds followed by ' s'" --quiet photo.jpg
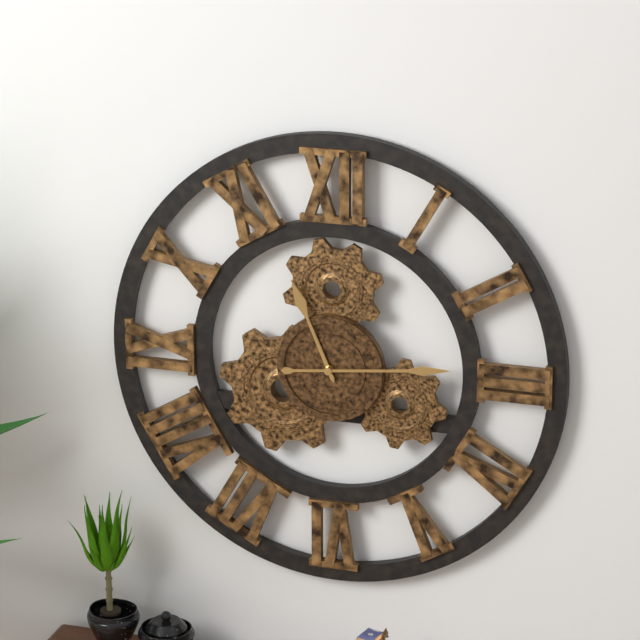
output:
11 h 14 min
